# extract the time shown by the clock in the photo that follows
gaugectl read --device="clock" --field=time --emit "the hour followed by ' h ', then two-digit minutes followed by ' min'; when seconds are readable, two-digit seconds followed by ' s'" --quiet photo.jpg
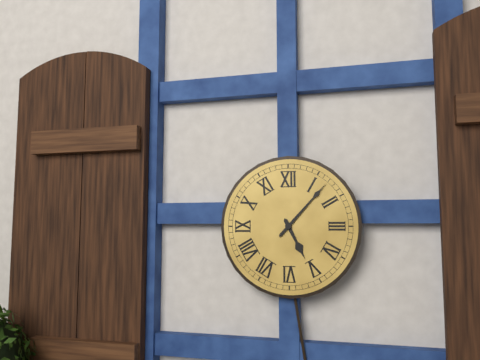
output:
5 h 07 min
